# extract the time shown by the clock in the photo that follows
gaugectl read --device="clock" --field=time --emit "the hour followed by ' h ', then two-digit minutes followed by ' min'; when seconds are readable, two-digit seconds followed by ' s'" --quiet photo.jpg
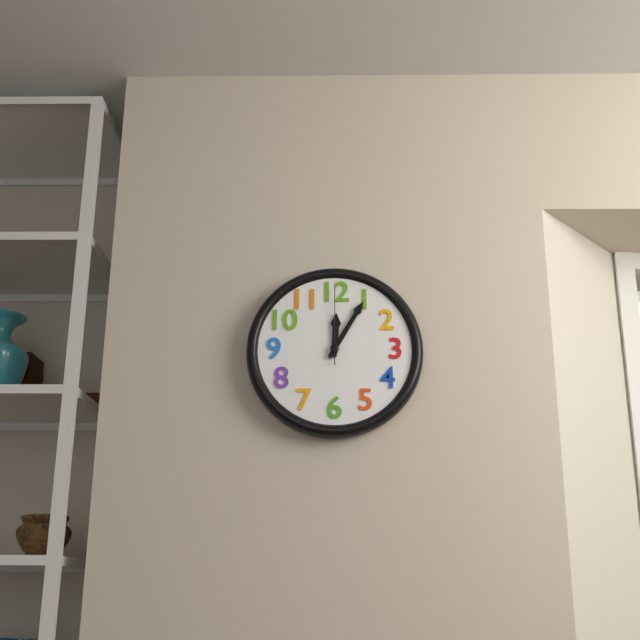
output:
12 h 05 min 00 s
